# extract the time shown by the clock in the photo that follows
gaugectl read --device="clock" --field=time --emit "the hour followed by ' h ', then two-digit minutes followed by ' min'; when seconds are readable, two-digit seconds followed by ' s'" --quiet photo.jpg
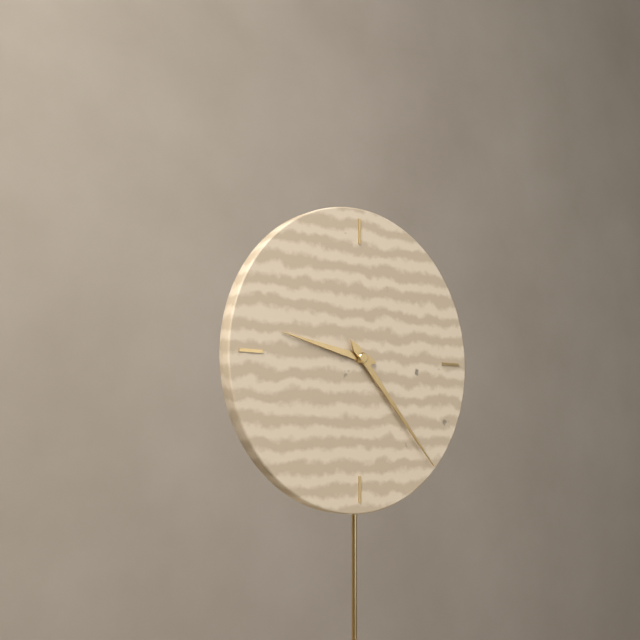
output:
9 h 23 min
